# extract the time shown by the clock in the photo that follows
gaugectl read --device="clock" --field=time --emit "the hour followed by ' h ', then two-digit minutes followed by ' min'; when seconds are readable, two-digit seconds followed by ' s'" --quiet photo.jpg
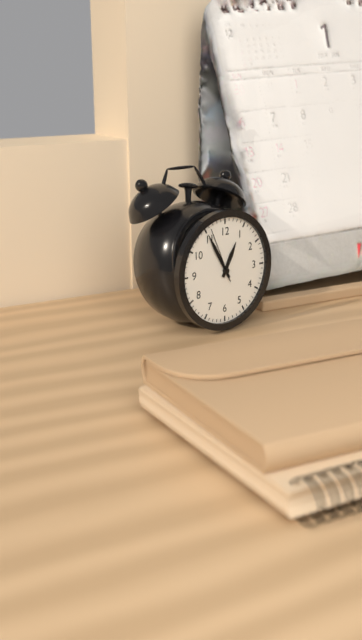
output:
12 h 55 min 56 s
